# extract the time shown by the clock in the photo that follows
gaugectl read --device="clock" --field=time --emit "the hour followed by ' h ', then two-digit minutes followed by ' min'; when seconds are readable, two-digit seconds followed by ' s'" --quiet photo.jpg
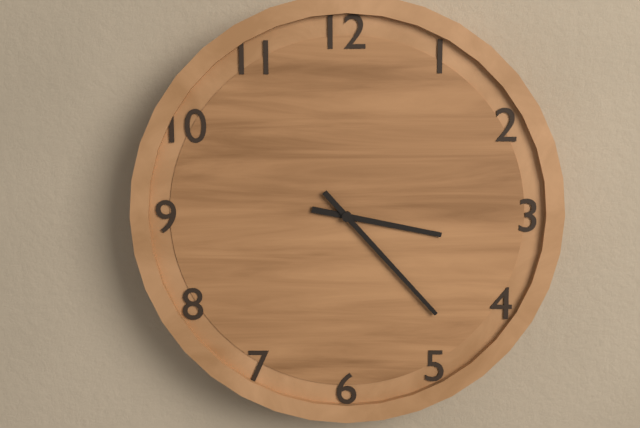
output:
3 h 23 min
